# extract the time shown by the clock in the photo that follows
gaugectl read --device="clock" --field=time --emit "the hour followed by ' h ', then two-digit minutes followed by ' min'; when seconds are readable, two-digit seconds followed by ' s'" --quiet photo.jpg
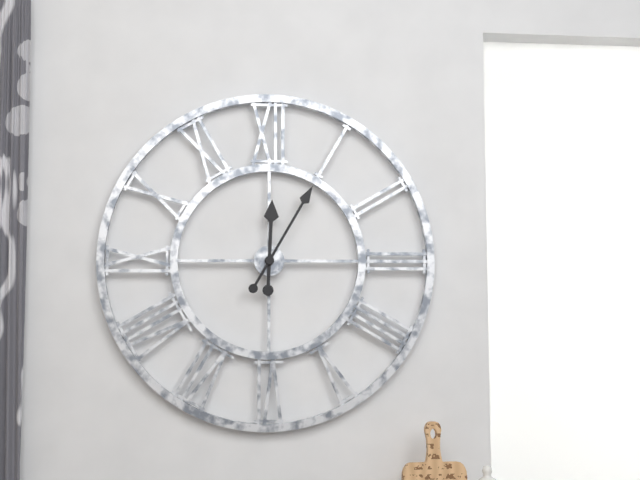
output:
12 h 05 min
